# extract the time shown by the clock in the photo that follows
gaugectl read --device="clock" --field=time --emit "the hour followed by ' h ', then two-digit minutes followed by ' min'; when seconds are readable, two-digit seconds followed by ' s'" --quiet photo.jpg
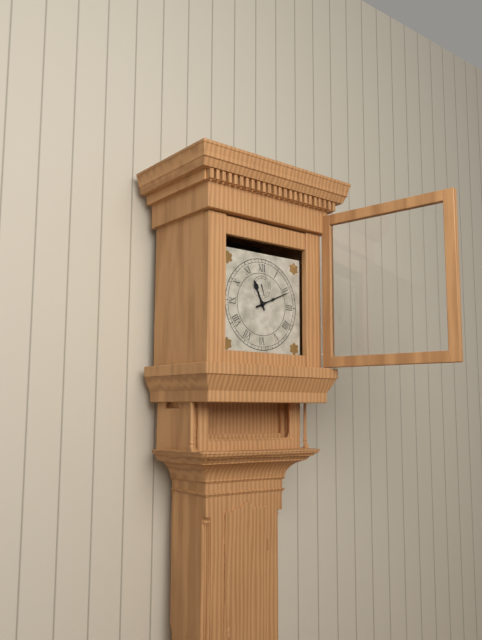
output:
11 h 11 min
